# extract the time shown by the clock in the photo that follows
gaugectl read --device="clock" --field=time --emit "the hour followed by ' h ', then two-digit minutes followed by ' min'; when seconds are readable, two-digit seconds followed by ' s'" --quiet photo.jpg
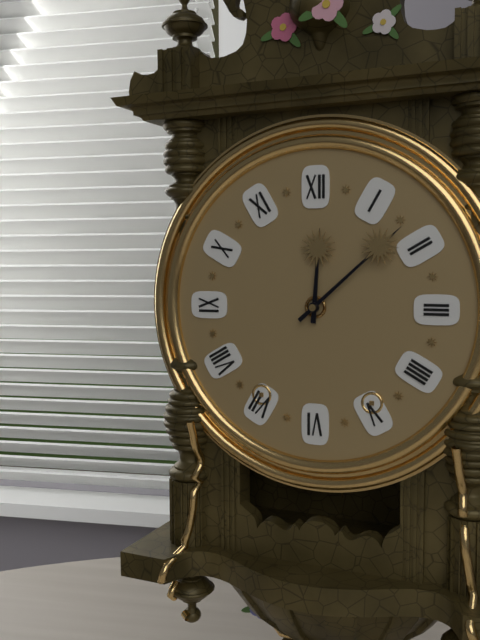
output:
12 h 08 min
